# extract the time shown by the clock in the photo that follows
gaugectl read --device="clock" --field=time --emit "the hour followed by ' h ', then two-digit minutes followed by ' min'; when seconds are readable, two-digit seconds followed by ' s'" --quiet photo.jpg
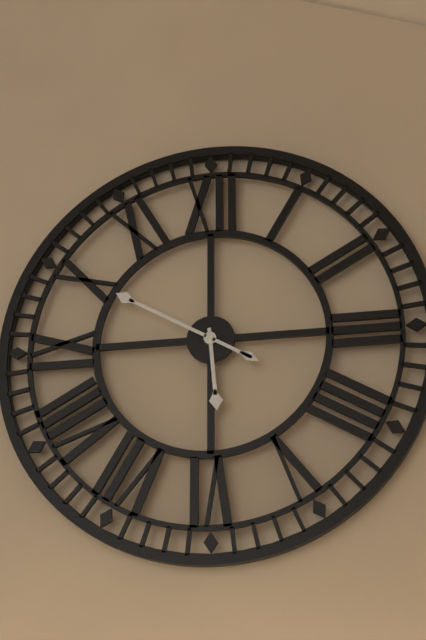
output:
5 h 50 min
